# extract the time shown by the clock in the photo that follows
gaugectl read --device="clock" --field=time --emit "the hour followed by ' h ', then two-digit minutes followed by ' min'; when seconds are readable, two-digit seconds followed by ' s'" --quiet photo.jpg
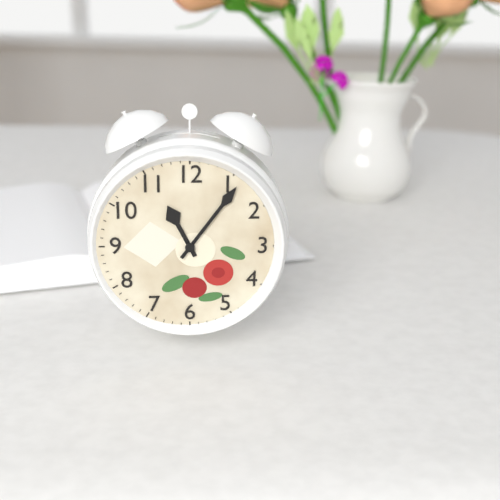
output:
11 h 06 min
